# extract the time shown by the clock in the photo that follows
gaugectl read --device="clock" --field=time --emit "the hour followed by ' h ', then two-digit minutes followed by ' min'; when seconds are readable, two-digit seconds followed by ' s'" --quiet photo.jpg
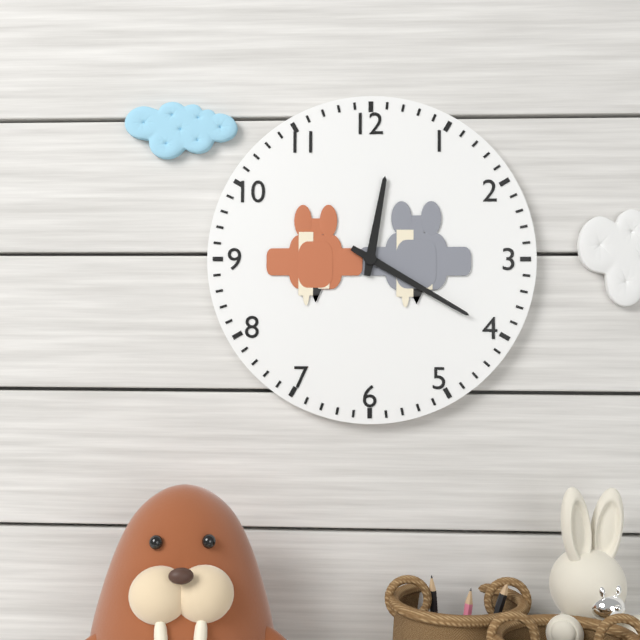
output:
12 h 20 min
